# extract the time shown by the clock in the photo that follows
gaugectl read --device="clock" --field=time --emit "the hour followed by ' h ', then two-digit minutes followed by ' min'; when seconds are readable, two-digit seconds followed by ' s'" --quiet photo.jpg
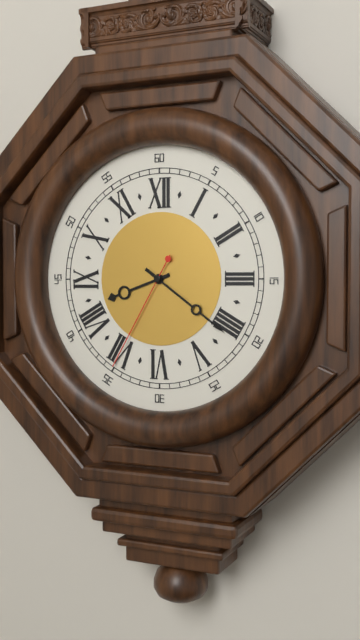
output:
8 h 21 min 35 s
